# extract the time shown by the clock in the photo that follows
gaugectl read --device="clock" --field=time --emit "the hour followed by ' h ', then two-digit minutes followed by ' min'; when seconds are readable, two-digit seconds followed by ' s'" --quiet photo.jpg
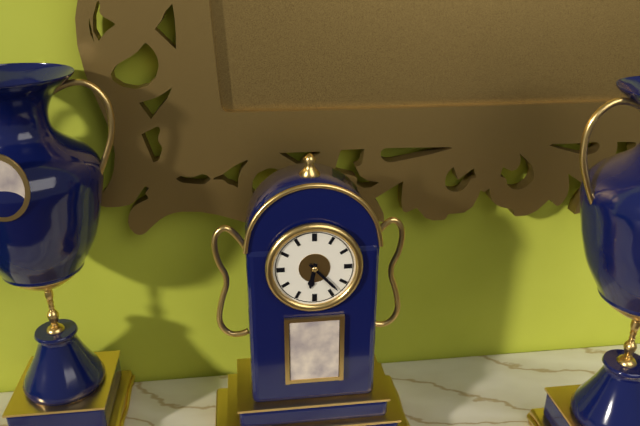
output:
6 h 23 min
